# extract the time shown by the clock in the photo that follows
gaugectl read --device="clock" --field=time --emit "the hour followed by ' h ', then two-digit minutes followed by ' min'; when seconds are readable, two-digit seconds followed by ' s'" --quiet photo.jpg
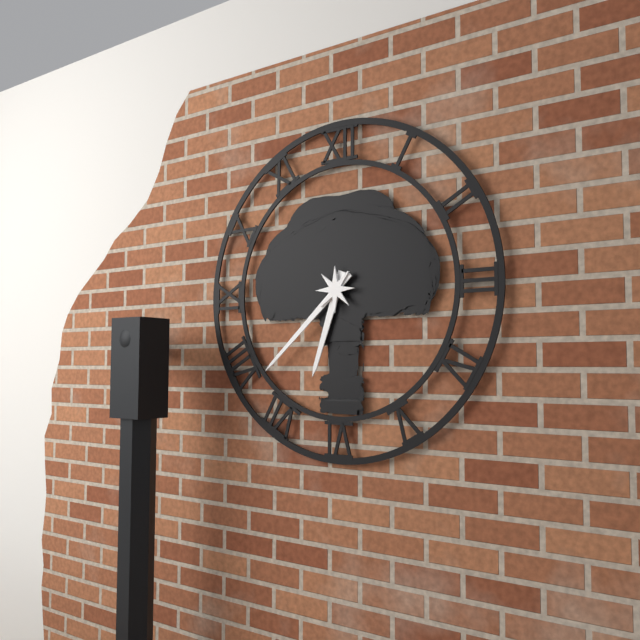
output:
6 h 38 min
